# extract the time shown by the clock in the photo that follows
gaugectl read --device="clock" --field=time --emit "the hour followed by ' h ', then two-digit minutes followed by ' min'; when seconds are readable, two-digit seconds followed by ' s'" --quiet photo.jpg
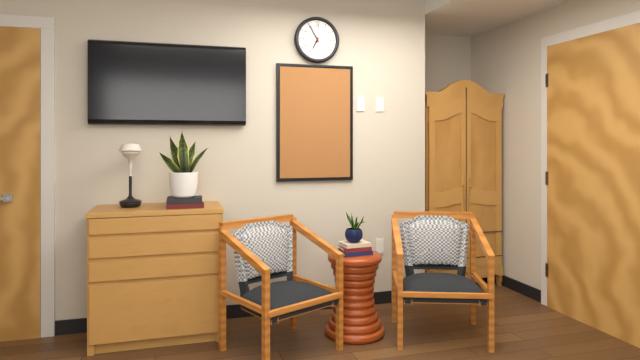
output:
6 h 55 min
